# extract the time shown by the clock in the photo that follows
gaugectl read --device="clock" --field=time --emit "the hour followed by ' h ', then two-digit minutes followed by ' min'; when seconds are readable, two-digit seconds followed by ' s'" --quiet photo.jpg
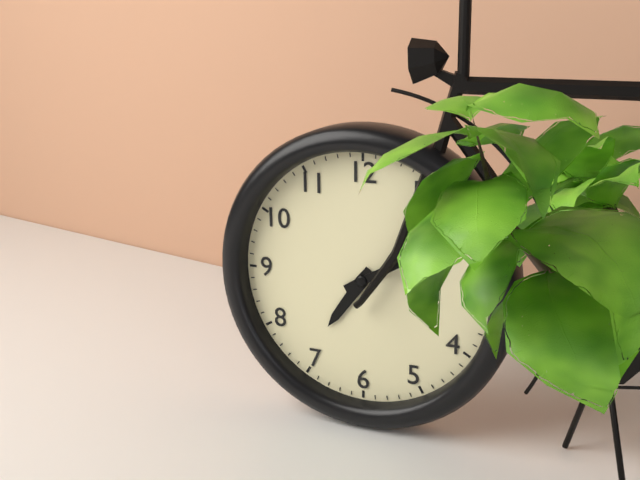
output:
7 h 10 min
